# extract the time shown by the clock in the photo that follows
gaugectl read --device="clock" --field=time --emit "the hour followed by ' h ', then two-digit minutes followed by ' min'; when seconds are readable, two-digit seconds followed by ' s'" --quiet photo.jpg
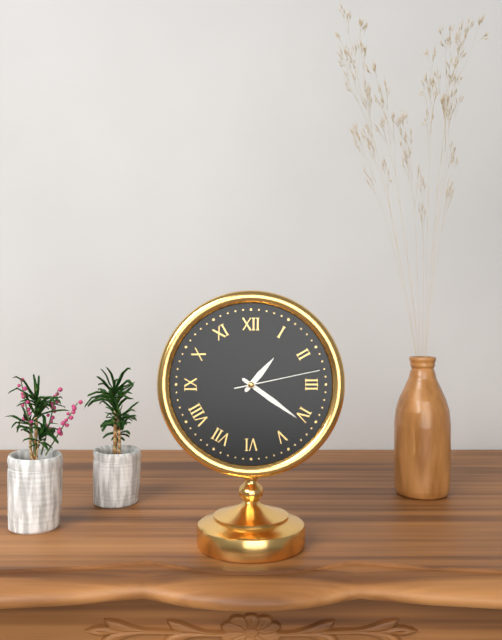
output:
1 h 21 min 13 s
